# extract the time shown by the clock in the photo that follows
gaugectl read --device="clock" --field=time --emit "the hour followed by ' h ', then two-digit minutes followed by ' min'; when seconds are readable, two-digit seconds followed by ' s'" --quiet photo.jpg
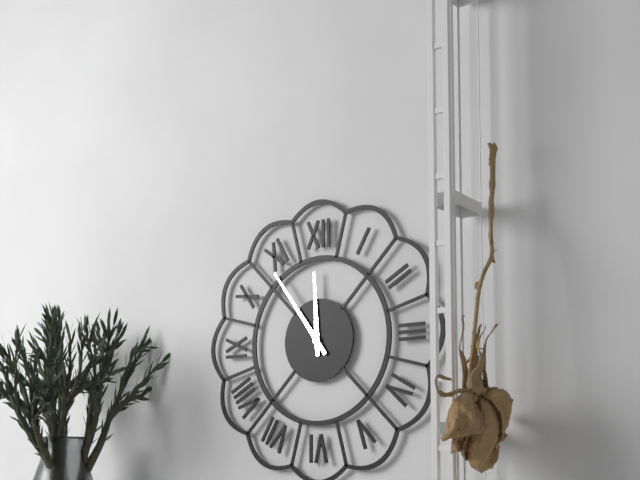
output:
11 h 54 min
